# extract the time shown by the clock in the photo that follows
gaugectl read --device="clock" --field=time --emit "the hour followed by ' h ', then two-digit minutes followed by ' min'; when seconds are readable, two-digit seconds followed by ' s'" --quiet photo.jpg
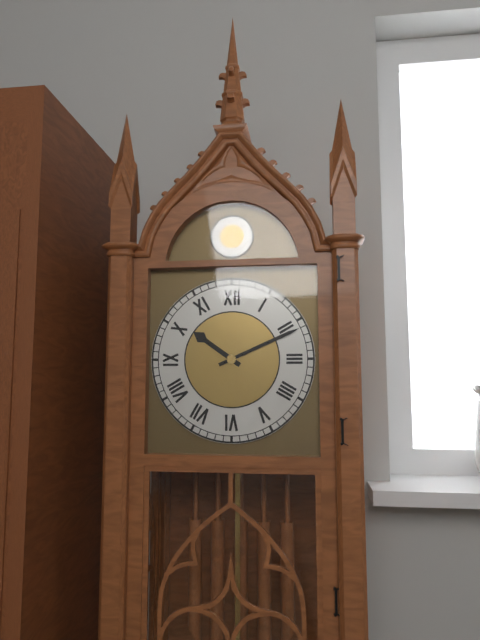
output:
10 h 11 min
